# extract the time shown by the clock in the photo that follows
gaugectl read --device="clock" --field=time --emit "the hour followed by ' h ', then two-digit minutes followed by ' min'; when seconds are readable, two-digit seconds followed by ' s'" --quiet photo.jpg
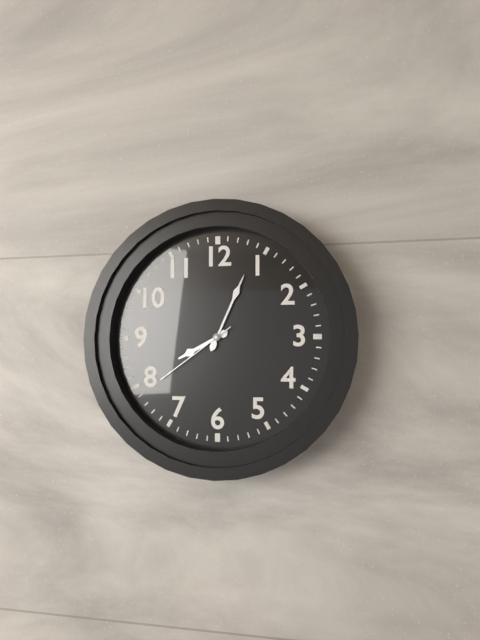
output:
8 h 04 min 39 s
